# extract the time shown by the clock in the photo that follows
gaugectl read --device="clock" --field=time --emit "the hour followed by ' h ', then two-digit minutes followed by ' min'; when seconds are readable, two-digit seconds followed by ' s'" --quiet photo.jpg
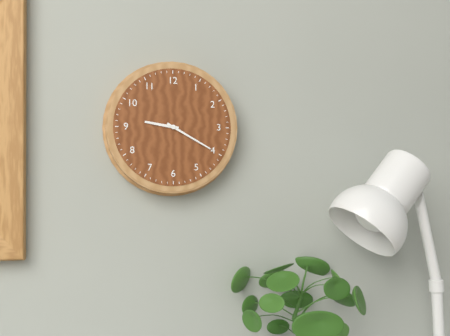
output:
9 h 20 min
